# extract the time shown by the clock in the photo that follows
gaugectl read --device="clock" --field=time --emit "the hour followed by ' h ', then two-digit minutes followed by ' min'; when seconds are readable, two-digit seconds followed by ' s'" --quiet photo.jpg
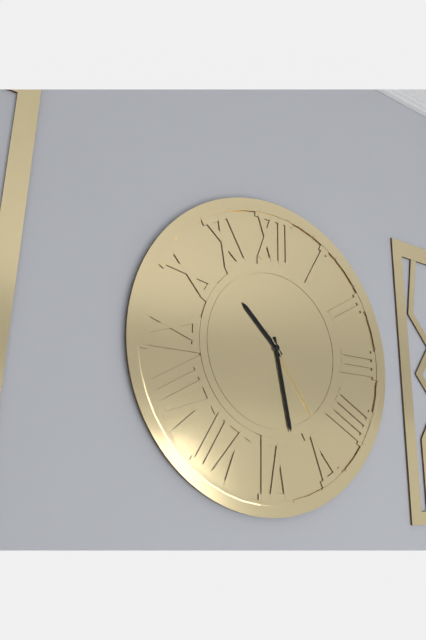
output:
10 h 28 min 24 s
